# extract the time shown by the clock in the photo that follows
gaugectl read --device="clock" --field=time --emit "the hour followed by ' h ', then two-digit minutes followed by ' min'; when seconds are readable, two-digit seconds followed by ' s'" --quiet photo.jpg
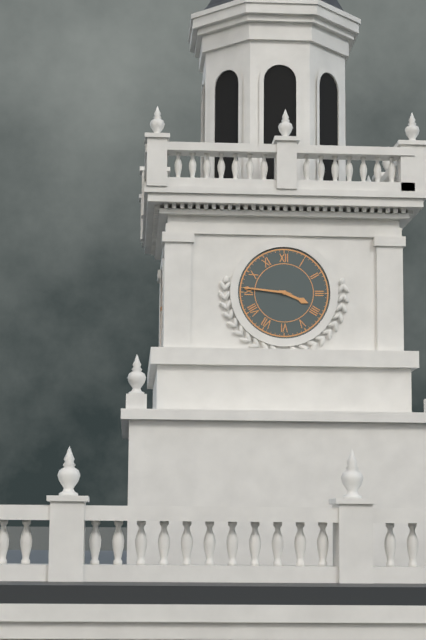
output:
3 h 46 min
